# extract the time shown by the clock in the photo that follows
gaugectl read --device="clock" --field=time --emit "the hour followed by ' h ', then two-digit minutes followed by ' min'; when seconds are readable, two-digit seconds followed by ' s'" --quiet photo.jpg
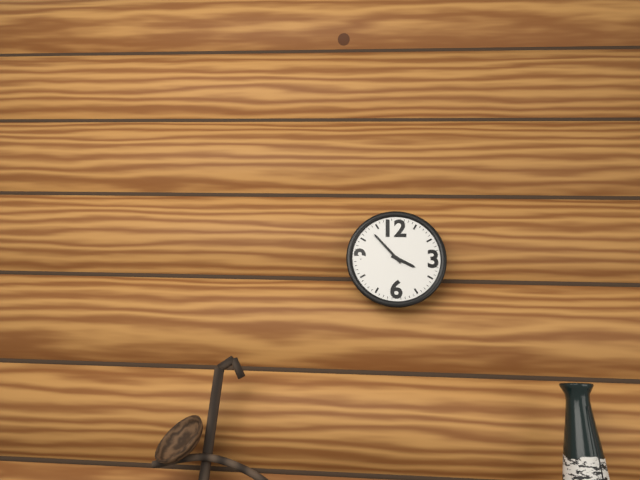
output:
3 h 53 min
